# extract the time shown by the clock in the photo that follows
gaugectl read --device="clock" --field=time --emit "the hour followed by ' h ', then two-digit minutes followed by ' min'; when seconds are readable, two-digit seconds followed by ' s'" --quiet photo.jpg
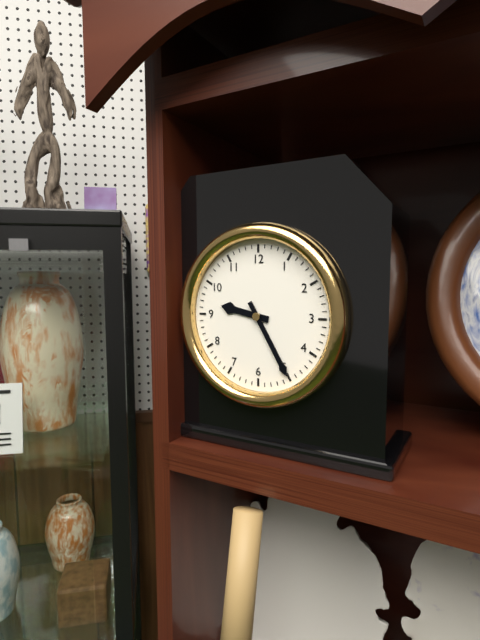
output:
9 h 25 min
